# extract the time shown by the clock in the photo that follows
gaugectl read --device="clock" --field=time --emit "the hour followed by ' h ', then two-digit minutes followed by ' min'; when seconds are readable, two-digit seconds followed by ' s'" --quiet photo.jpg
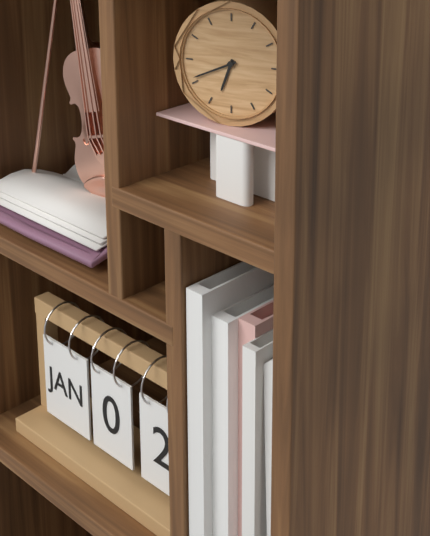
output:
6 h 41 min
